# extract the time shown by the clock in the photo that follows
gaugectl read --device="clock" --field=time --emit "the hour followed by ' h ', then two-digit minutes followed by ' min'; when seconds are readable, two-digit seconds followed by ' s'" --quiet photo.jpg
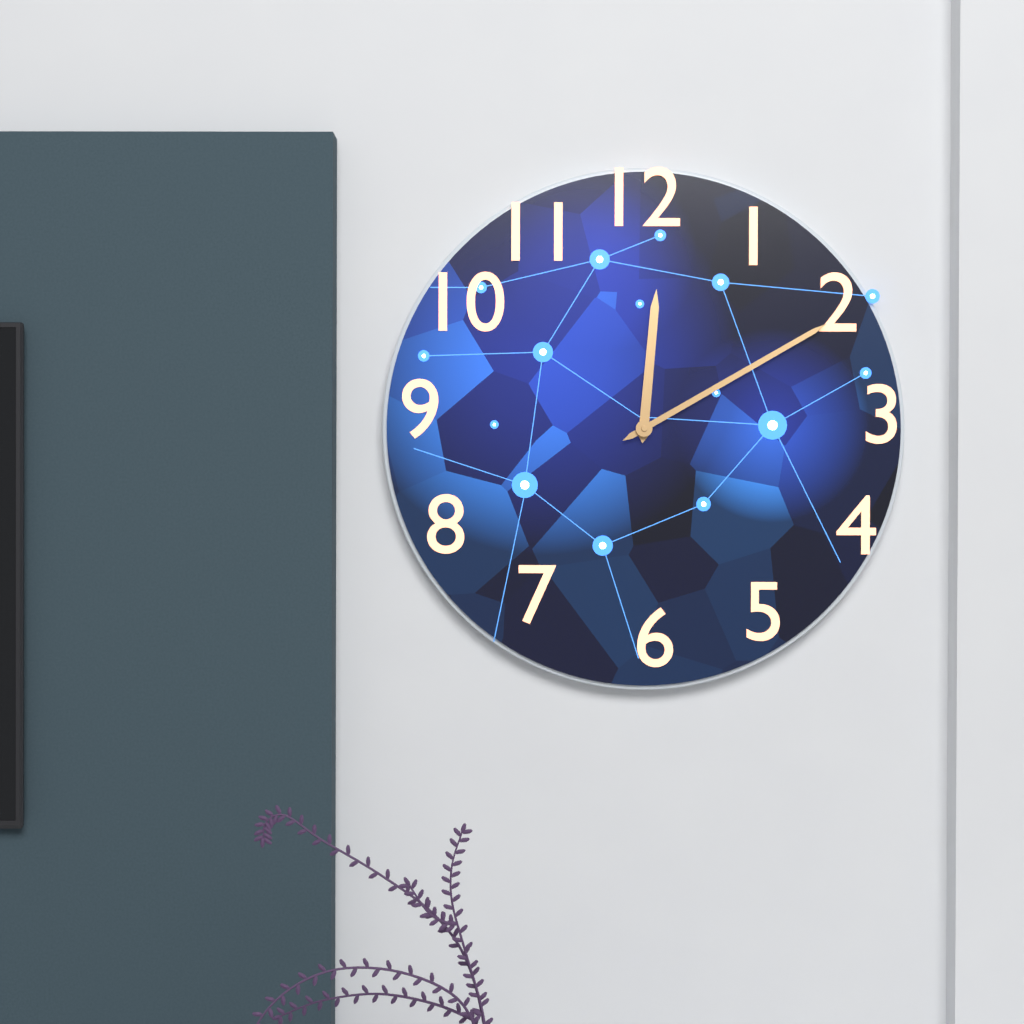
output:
12 h 10 min
